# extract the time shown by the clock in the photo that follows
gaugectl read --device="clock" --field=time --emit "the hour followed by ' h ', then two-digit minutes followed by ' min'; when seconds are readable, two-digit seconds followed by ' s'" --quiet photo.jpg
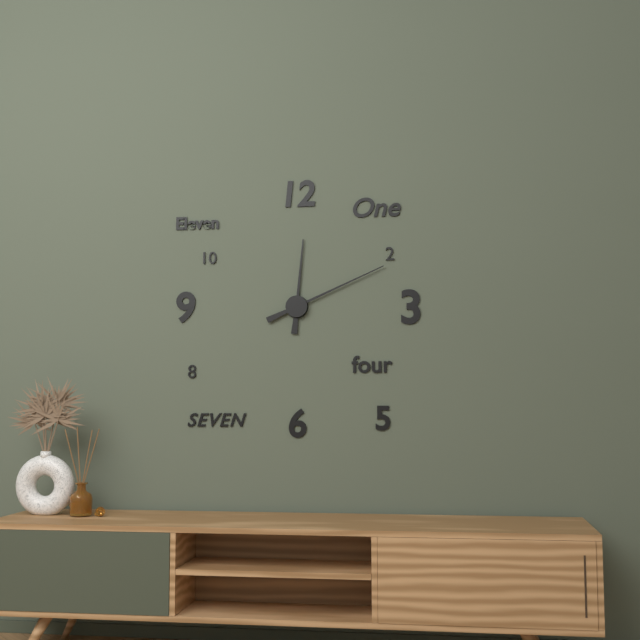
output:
12 h 11 min
